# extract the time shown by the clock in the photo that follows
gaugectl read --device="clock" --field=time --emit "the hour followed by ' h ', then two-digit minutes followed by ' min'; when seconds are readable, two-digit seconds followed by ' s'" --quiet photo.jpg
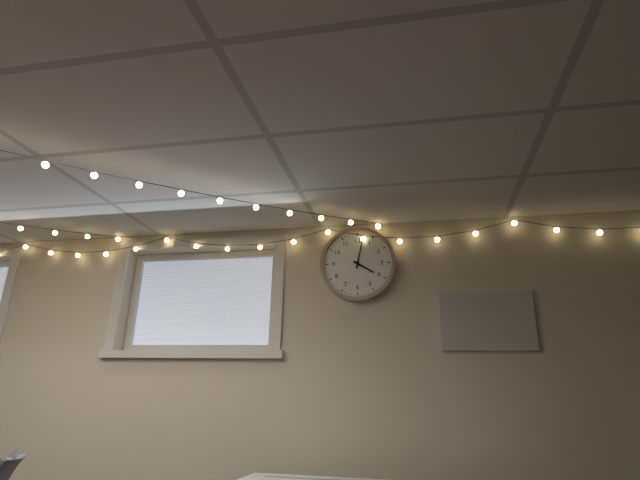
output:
4 h 02 min
